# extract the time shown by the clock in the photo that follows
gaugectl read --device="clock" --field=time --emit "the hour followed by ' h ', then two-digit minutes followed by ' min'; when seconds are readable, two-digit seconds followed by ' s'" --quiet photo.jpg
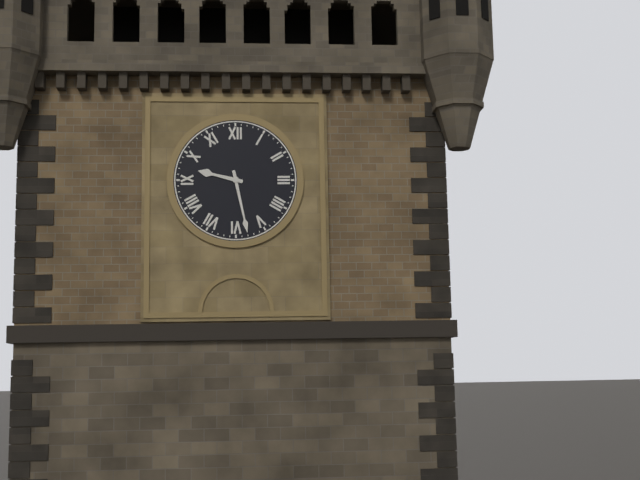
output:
9 h 28 min
